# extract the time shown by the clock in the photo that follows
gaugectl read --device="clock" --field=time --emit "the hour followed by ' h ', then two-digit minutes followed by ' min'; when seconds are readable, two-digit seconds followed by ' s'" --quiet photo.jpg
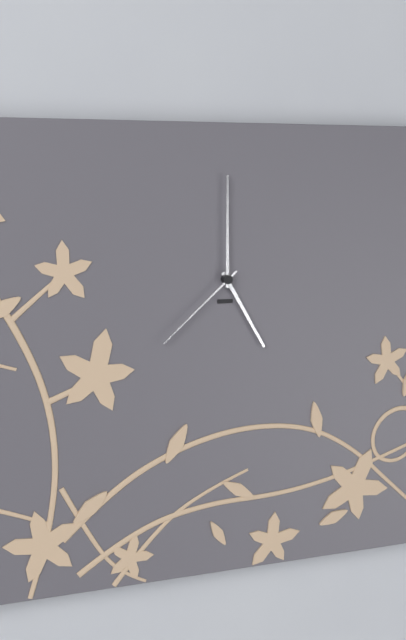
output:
5 h 00 min 38 s
